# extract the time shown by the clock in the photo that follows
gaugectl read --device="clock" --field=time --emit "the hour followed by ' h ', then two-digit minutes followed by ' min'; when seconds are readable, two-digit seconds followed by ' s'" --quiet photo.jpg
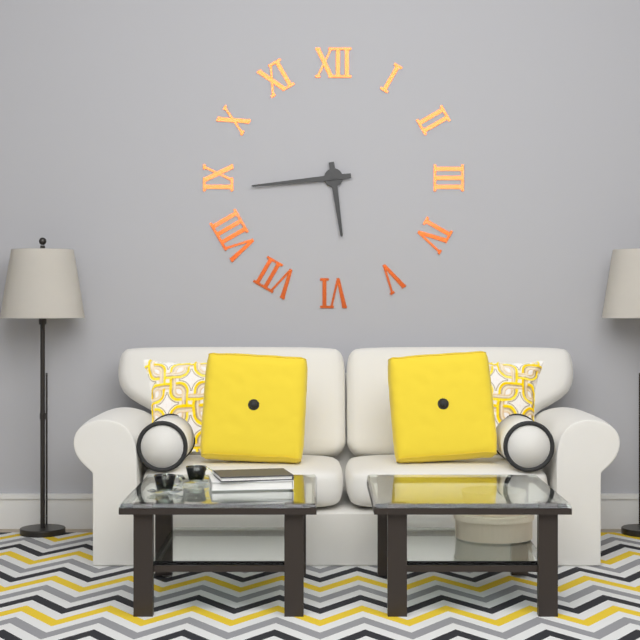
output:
5 h 44 min
